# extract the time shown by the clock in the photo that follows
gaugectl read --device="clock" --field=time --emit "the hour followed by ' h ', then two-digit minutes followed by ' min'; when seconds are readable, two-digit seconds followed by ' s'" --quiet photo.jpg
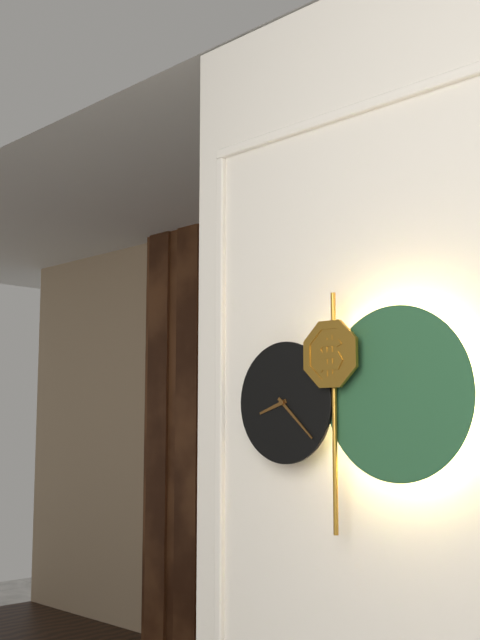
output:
8 h 22 min
